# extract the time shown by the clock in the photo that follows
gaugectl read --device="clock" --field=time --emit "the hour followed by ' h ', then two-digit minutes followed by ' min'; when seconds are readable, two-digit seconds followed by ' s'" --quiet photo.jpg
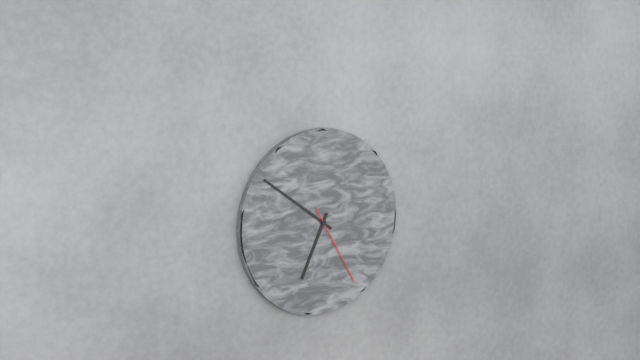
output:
6 h 51 min 25 s
